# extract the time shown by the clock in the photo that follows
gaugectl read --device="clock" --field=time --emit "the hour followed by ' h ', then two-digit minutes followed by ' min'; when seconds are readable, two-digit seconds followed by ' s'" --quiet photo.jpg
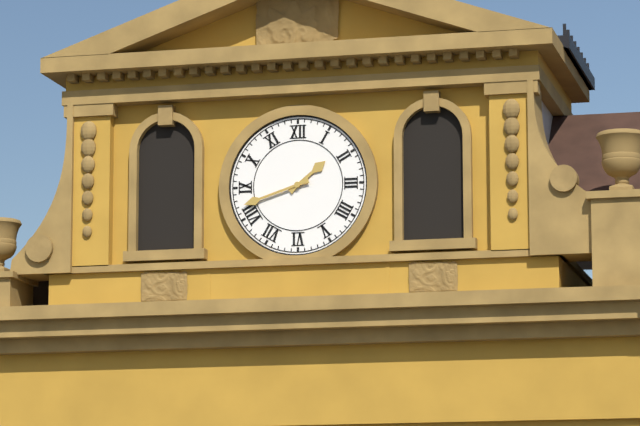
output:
1 h 42 min
